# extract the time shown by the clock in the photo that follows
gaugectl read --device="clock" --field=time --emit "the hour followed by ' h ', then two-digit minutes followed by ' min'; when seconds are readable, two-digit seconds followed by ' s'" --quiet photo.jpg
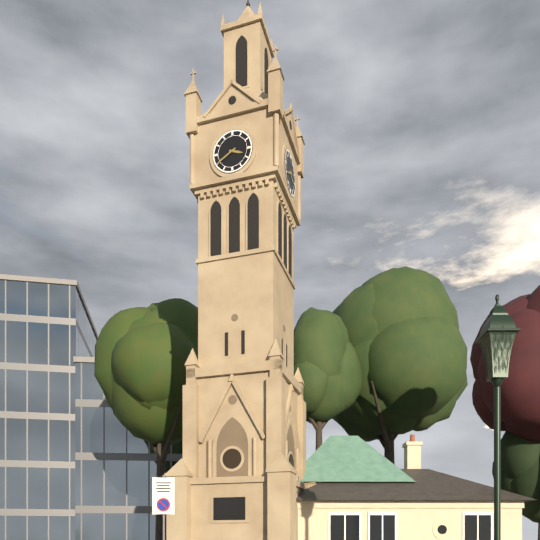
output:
3 h 40 min
